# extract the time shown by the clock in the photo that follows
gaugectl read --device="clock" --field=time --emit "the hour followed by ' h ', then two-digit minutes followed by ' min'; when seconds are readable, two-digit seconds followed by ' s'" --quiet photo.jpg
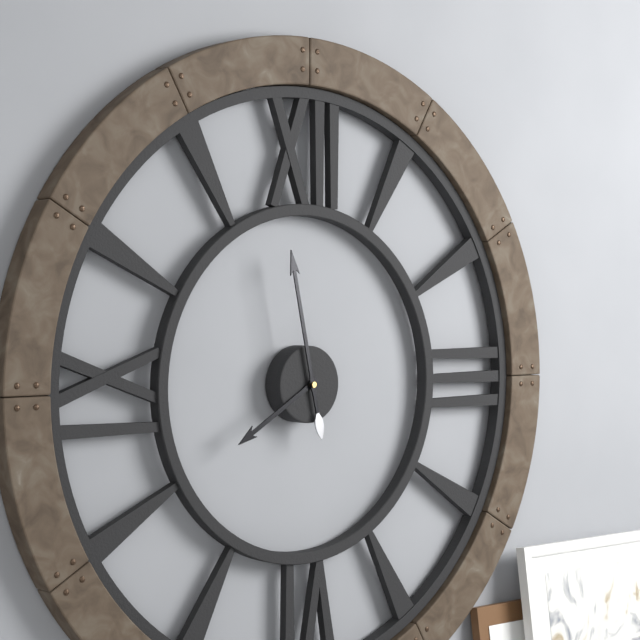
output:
7 h 58 min
